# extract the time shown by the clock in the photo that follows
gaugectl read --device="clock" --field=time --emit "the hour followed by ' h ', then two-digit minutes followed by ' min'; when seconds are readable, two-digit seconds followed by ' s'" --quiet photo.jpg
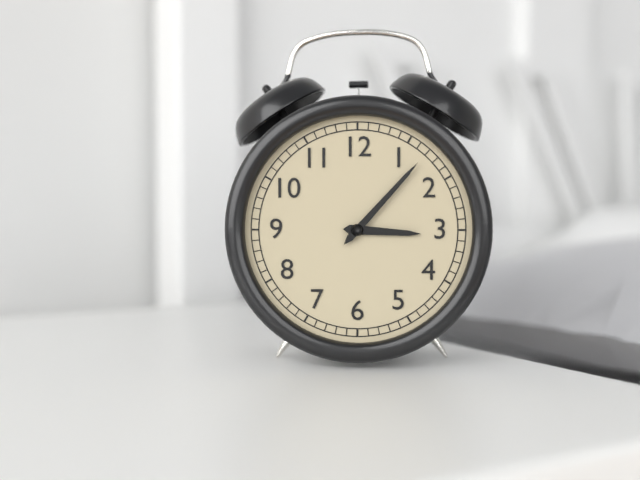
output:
3 h 07 min
